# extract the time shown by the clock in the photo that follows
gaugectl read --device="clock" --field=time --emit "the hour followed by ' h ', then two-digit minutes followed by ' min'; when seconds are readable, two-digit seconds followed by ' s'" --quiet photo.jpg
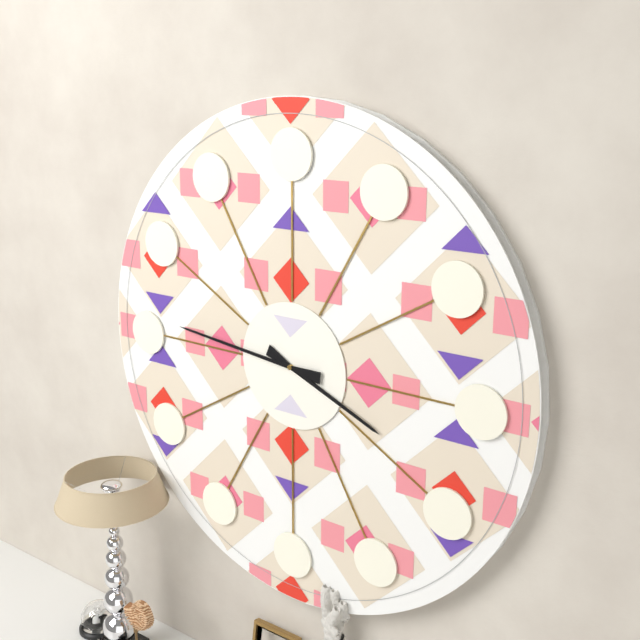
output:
3 h 46 min
